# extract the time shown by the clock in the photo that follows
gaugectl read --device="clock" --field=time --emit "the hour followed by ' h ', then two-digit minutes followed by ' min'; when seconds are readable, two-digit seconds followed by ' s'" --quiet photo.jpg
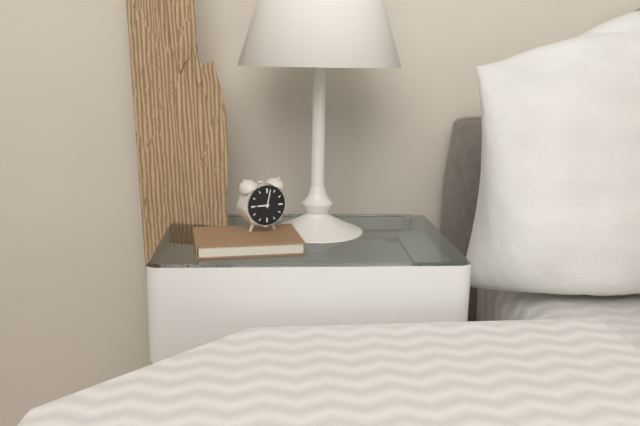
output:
9 h 02 min
